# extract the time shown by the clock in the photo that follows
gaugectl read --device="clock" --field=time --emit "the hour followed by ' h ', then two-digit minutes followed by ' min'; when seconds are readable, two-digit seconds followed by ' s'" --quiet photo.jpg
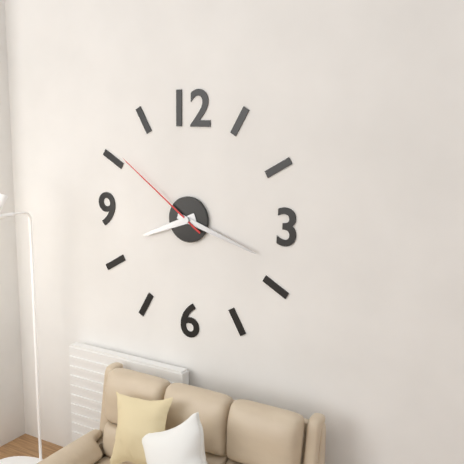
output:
8 h 18 min 51 s
